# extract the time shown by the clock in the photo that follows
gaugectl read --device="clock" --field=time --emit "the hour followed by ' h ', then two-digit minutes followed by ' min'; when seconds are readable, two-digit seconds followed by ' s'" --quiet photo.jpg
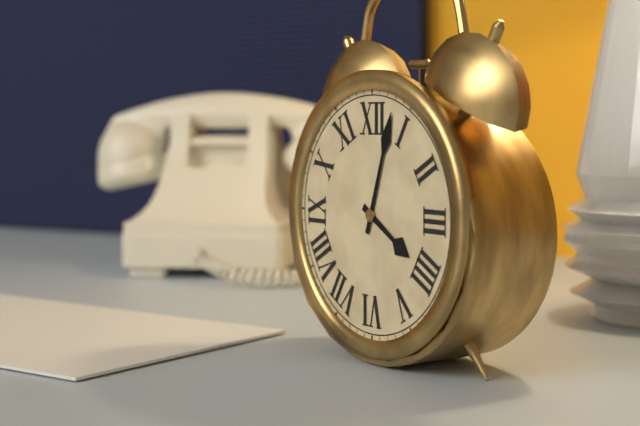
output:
4 h 03 min
